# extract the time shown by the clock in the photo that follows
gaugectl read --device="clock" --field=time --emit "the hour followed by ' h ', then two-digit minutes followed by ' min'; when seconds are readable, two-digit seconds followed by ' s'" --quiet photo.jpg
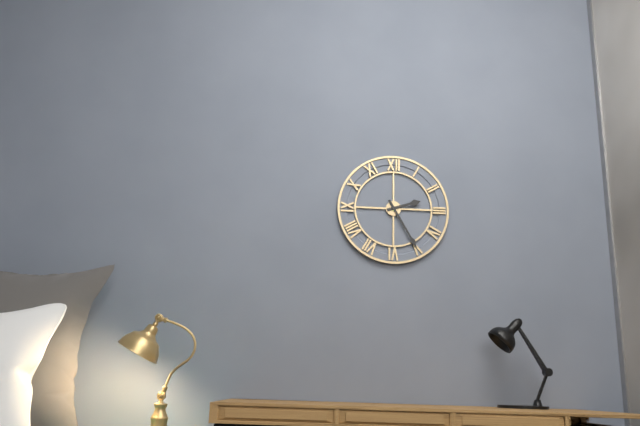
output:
2 h 25 min
